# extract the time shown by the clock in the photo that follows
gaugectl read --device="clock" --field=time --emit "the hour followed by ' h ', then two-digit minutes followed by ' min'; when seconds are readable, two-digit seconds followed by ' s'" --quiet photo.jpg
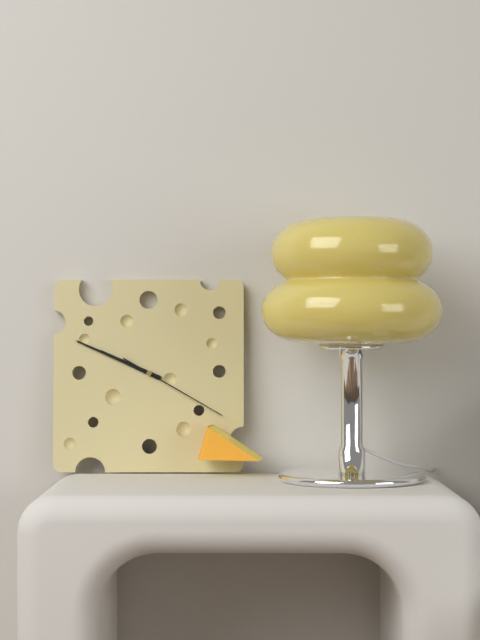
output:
9 h 49 min 20 s
